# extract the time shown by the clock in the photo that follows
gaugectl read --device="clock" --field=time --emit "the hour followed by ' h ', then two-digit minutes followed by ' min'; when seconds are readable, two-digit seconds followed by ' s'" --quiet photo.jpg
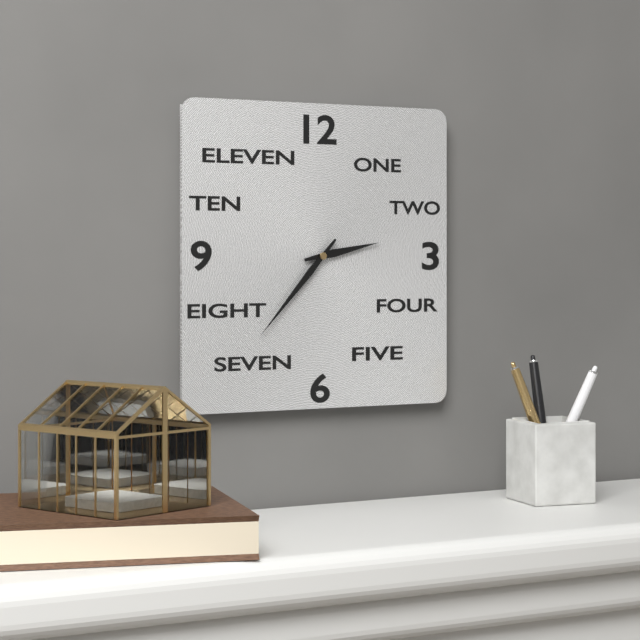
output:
2 h 37 min
